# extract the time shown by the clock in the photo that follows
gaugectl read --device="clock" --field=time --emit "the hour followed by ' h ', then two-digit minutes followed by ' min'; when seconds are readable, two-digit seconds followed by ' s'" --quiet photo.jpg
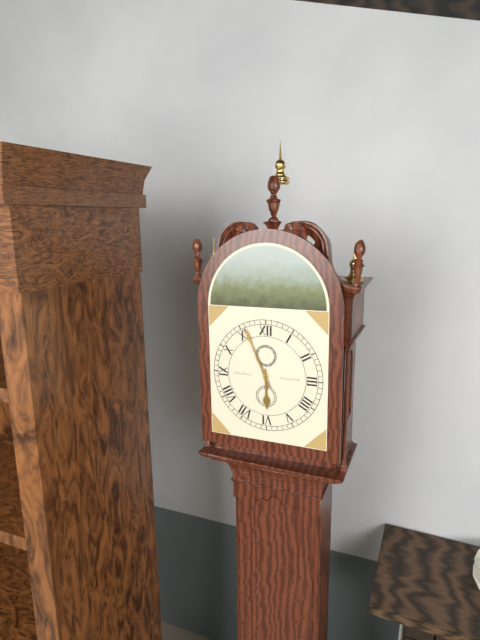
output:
5 h 56 min
